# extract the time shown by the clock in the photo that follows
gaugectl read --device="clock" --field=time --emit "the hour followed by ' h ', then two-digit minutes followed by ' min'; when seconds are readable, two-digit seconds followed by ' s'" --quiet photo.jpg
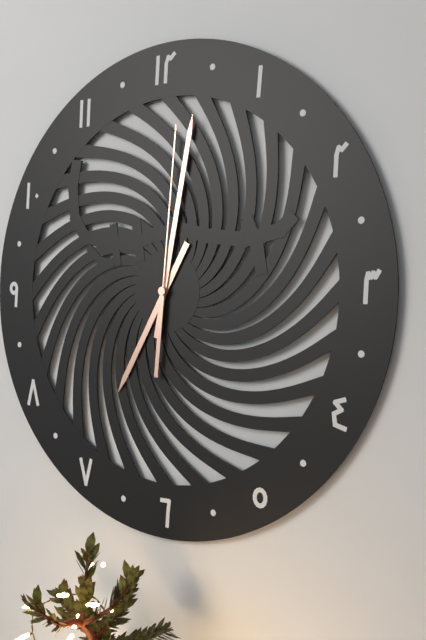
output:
7 h 02 min 01 s
